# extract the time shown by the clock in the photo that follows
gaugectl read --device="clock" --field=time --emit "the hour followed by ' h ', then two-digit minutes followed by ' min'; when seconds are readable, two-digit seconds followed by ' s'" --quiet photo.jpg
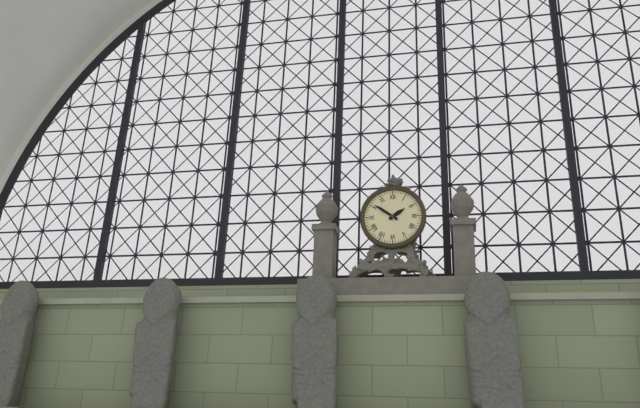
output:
1 h 51 min
